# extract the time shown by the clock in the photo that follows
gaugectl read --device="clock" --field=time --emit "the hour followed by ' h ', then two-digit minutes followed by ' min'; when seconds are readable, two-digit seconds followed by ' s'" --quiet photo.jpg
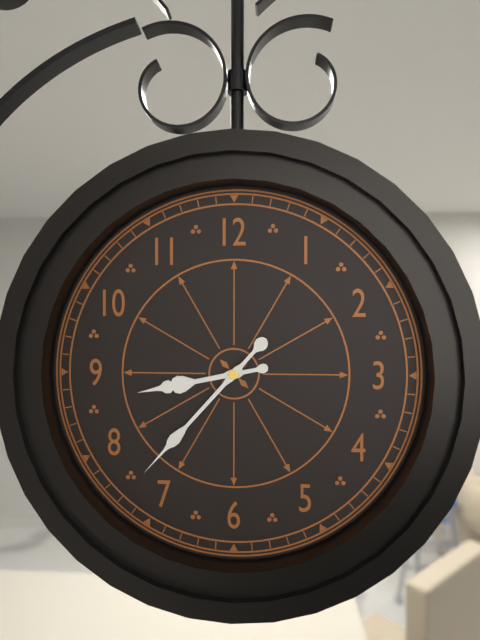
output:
8 h 37 min
